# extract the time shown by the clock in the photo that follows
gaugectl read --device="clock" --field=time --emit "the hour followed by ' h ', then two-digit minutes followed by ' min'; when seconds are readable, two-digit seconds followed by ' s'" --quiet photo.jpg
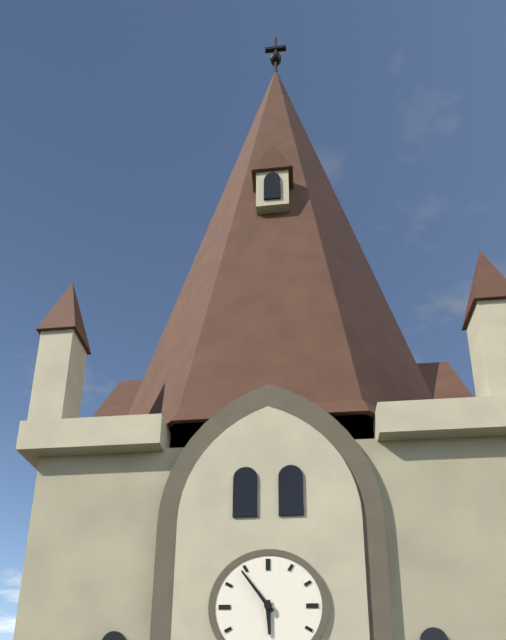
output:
5 h 54 min
